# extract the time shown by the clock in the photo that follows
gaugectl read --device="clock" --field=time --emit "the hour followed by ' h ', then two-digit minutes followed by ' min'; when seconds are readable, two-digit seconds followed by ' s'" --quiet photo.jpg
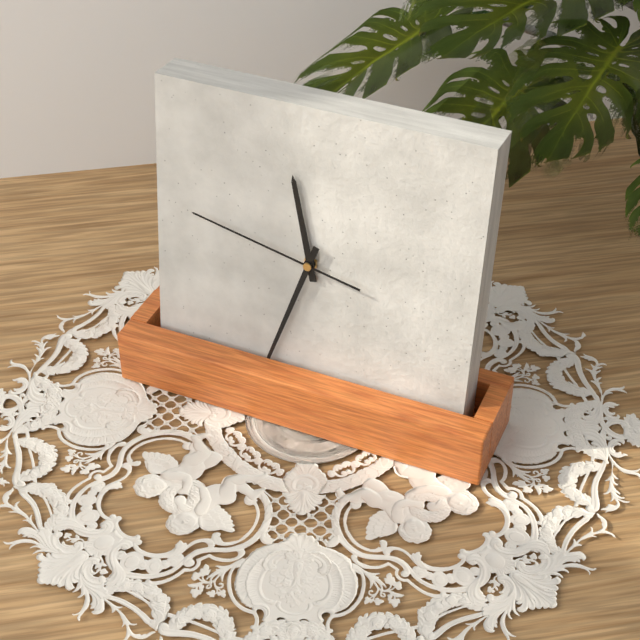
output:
11 h 33 min 47 s
